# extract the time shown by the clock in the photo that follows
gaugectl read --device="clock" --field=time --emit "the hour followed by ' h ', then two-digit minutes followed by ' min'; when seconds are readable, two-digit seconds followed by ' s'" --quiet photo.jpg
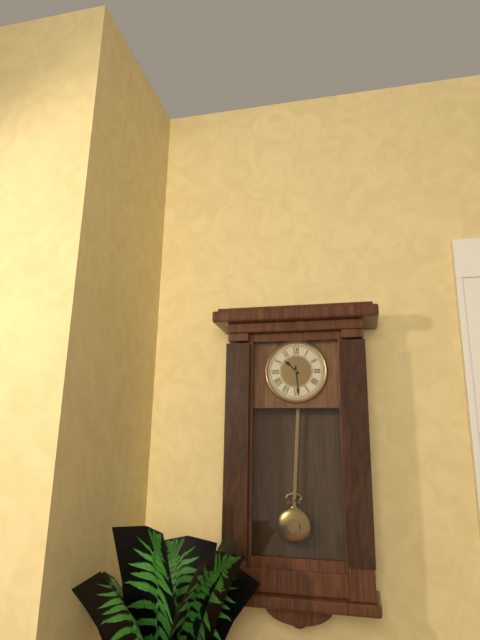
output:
10 h 29 min
